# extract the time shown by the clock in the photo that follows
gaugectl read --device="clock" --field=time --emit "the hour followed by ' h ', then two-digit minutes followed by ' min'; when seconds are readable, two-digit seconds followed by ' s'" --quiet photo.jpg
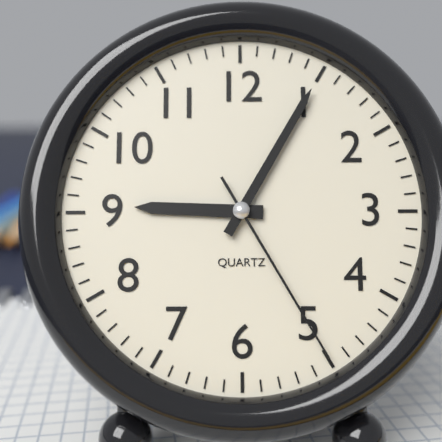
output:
9 h 05 min 25 s
